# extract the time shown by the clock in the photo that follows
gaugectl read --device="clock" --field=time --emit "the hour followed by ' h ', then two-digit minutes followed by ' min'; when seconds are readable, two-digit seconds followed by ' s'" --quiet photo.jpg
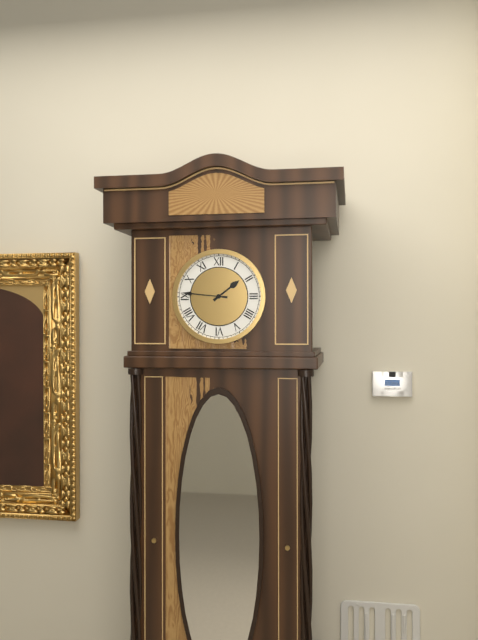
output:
1 h 46 min
